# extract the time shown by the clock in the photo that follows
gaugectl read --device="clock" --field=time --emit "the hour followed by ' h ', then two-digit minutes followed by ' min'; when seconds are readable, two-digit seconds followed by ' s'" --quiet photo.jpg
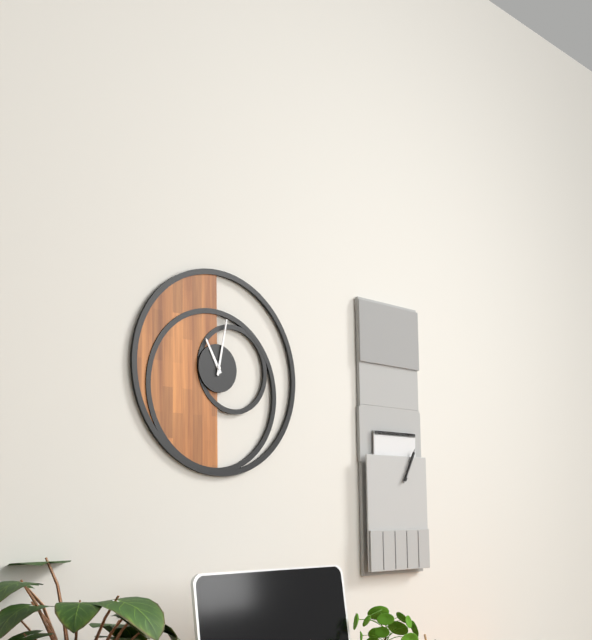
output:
11 h 02 min
